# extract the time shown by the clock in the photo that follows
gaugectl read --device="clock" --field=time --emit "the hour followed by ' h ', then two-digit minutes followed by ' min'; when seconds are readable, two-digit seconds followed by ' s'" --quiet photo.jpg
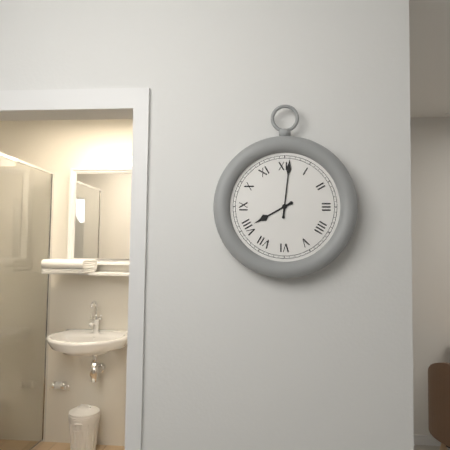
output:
8 h 01 min
